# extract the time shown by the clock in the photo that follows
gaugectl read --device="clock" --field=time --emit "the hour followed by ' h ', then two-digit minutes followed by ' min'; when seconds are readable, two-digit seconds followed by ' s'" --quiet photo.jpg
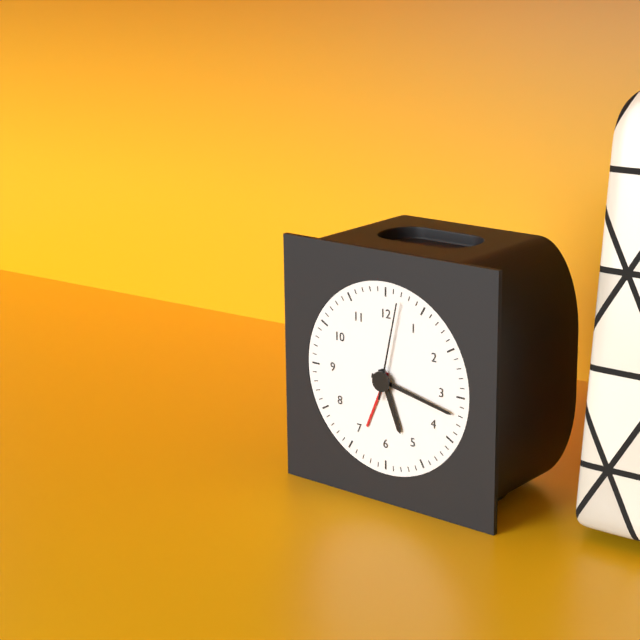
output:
5 h 17 min 02 s
